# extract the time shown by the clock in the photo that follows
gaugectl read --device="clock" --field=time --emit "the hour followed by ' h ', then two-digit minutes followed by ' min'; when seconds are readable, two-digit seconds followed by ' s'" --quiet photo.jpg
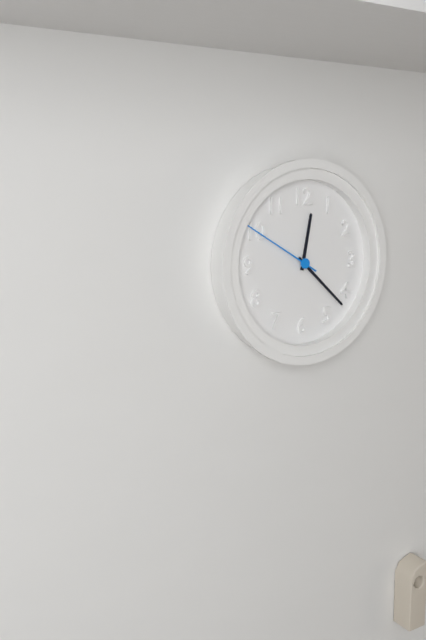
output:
12 h 22 min 50 s
